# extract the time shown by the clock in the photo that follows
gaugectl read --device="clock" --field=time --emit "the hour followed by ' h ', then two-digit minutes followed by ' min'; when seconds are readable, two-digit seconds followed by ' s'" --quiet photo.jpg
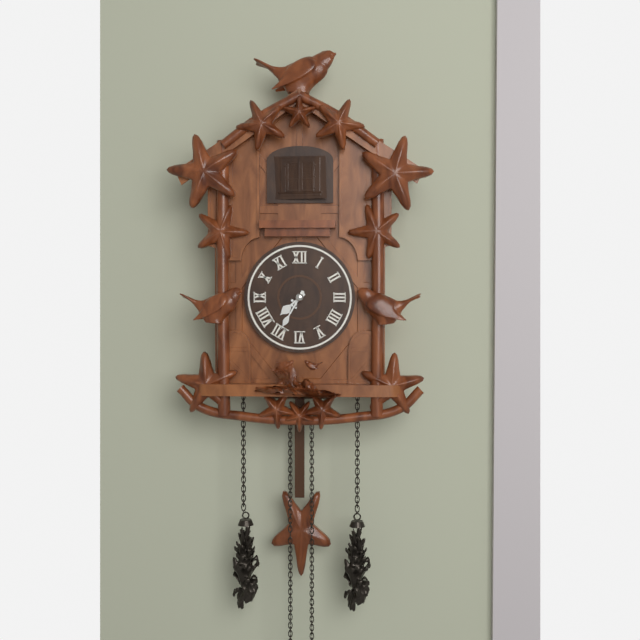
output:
7 h 35 min
